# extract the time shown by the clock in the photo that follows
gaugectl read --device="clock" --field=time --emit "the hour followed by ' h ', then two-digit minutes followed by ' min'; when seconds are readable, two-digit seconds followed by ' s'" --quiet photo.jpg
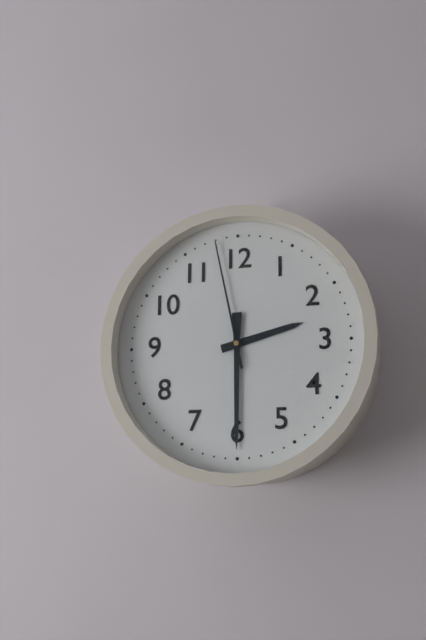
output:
2 h 30 min 58 s
